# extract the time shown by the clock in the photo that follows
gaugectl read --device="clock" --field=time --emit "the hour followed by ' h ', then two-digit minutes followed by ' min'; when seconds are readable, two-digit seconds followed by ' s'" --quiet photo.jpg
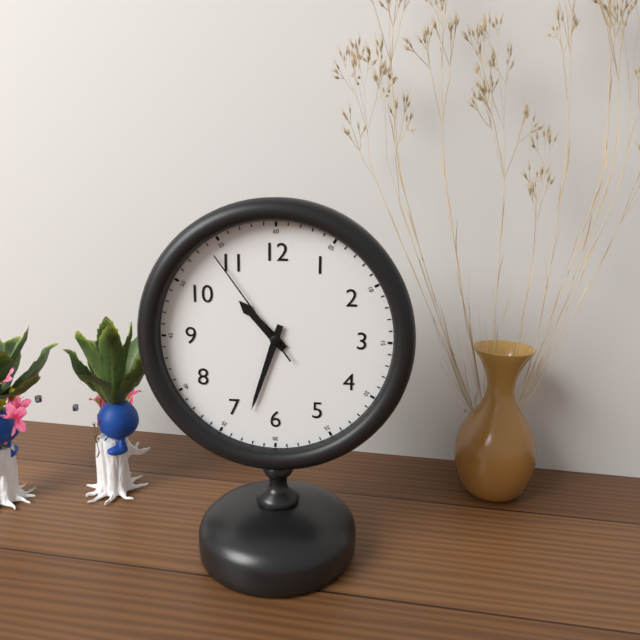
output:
10 h 33 min 54 s
